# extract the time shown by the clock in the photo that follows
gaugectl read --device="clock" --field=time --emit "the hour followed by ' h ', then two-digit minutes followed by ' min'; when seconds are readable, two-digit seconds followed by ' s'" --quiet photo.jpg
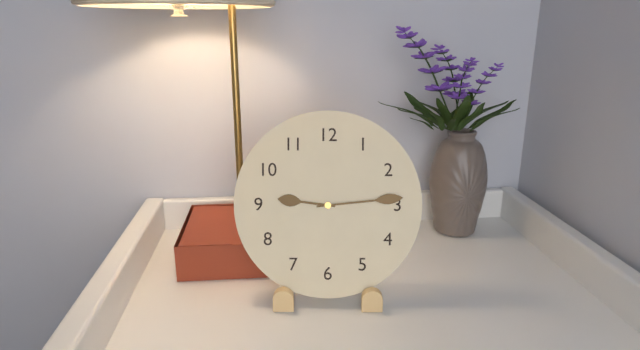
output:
9 h 14 min
